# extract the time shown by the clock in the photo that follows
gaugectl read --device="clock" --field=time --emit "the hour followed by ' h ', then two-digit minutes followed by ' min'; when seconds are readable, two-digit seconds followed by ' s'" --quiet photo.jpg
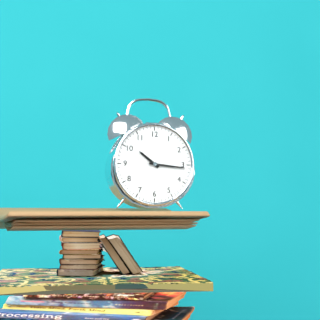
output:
10 h 16 min
